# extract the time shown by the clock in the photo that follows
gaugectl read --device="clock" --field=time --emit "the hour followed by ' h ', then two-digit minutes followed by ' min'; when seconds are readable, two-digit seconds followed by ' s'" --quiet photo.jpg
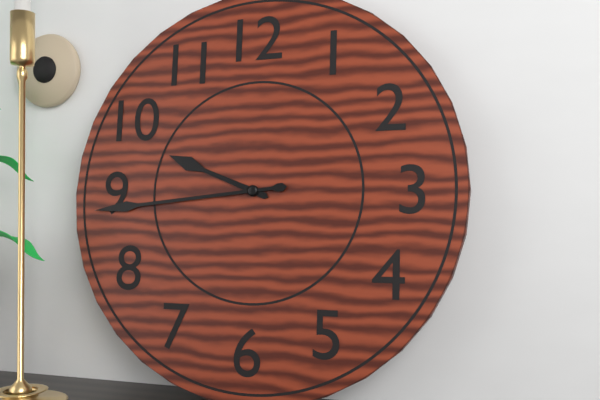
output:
9 h 44 min
